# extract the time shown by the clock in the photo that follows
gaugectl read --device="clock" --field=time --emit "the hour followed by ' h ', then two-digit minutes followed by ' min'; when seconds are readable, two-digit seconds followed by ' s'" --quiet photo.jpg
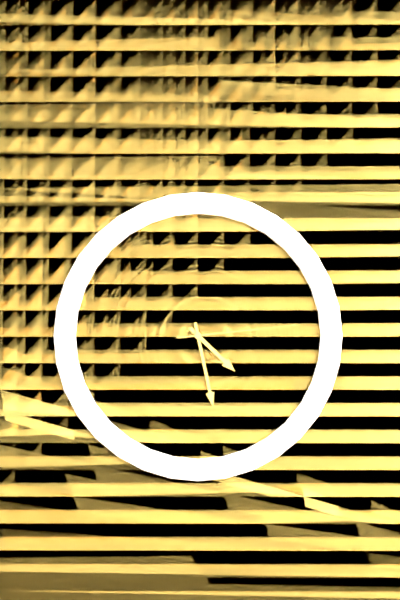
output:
4 h 28 min 14 s
